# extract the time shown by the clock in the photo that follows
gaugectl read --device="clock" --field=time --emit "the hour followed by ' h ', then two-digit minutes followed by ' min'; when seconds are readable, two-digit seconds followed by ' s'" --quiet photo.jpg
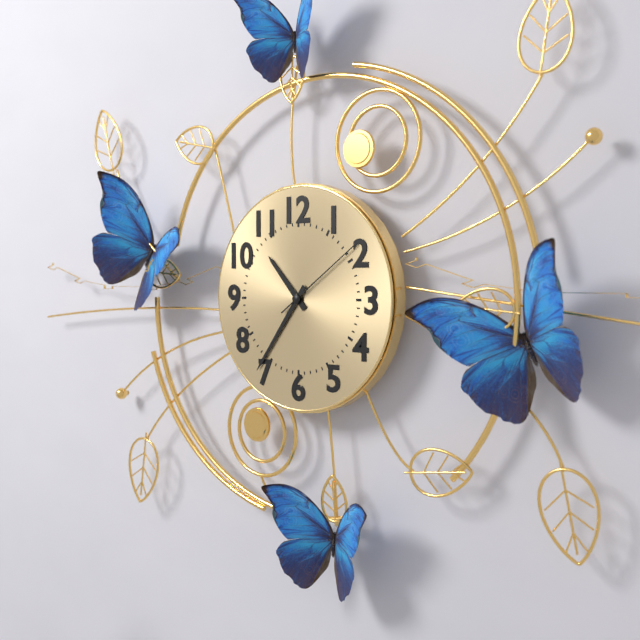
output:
10 h 36 min 09 s
